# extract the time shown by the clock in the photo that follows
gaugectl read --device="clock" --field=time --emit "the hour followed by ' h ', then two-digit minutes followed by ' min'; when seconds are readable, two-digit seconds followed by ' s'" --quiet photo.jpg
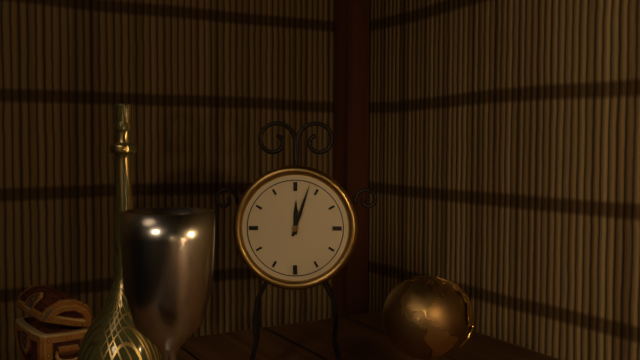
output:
12 h 03 min
